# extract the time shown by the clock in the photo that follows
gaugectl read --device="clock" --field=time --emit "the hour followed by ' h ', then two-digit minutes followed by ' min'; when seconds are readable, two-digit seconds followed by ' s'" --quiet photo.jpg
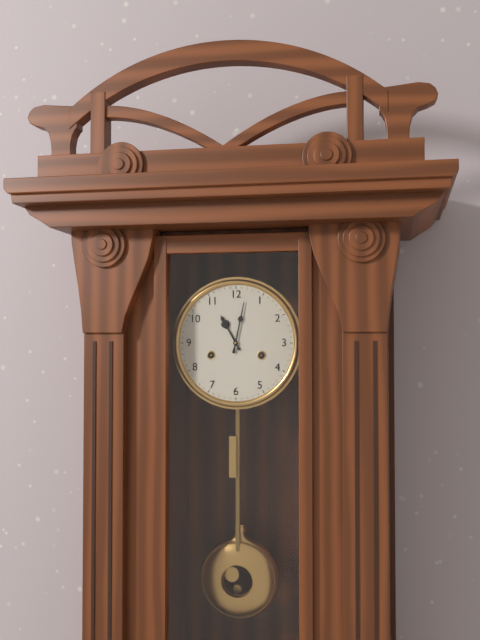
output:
11 h 02 min
